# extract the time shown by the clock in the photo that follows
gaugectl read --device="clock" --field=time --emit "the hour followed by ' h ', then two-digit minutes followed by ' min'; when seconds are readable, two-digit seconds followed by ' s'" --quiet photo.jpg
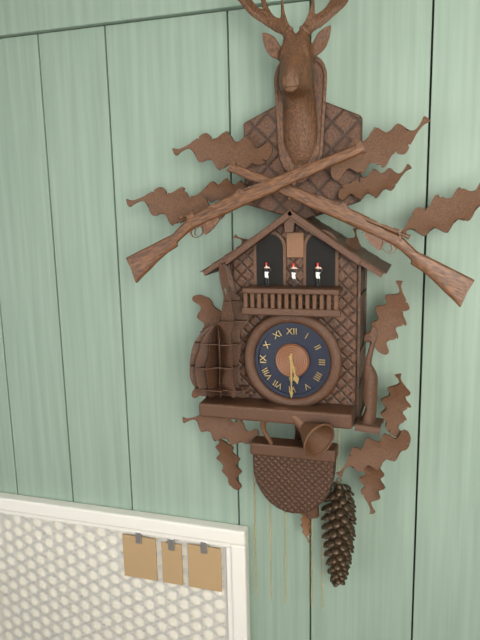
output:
5 h 30 min
